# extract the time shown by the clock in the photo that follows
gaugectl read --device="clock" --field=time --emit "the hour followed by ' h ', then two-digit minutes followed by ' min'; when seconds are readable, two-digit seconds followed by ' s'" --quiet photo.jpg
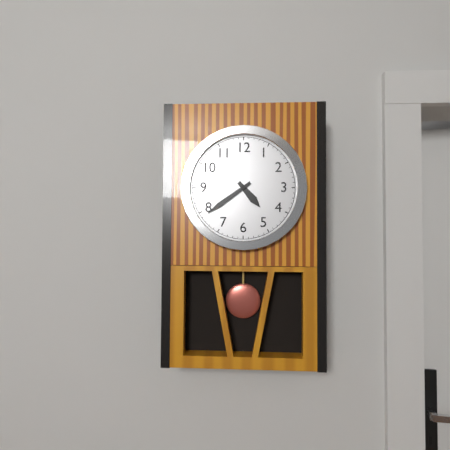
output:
4 h 39 min
